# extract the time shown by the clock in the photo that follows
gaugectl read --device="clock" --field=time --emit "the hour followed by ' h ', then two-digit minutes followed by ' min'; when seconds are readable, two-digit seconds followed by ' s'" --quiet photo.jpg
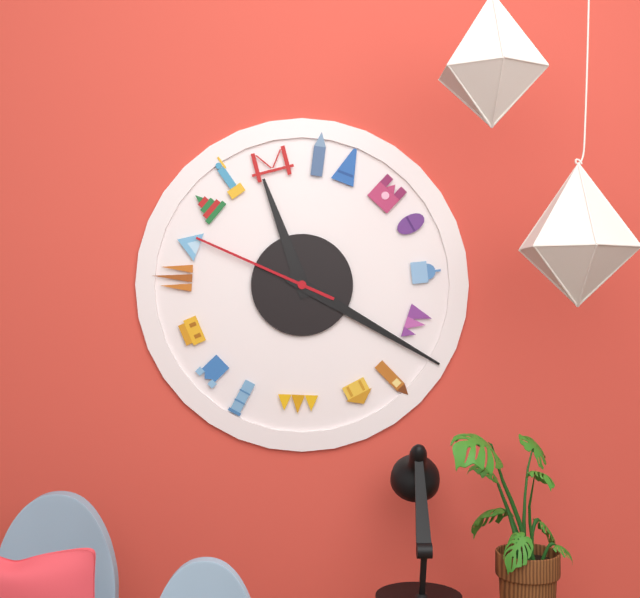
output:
11 h 20 min 49 s
